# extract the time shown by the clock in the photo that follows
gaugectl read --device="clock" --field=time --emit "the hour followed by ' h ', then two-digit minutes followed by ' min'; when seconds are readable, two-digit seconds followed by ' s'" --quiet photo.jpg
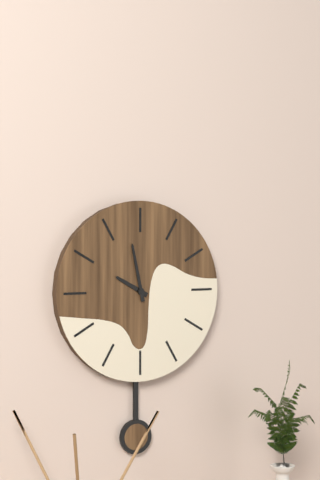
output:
9 h 58 min
